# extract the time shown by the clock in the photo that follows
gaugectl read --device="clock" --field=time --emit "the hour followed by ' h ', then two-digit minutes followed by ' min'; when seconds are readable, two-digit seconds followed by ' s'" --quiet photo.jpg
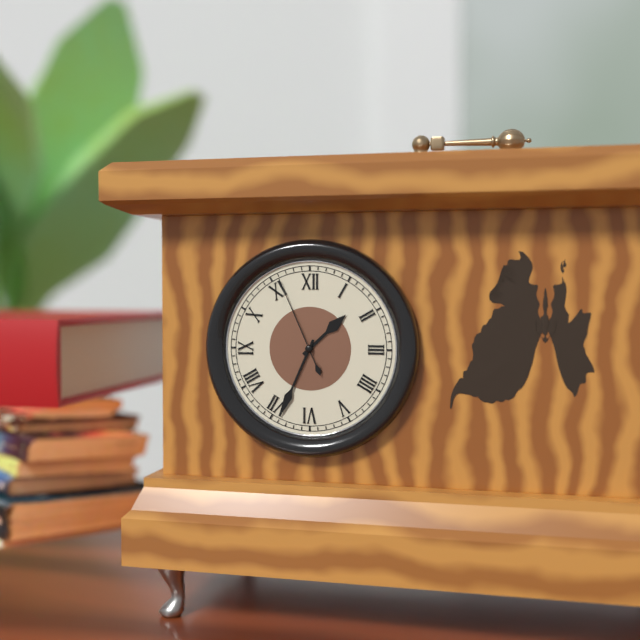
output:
1 h 34 min 56 s
